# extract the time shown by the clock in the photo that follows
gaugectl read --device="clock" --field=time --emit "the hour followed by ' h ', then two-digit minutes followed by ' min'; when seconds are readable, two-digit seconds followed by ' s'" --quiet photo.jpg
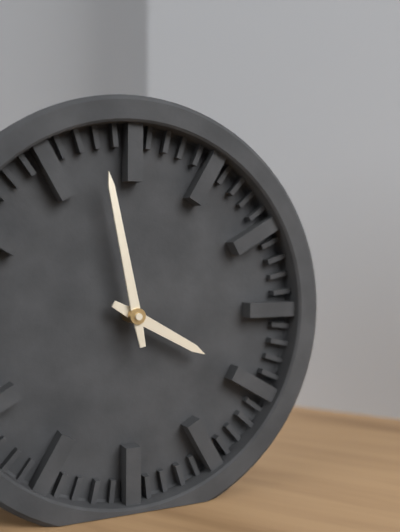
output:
3 h 58 min
